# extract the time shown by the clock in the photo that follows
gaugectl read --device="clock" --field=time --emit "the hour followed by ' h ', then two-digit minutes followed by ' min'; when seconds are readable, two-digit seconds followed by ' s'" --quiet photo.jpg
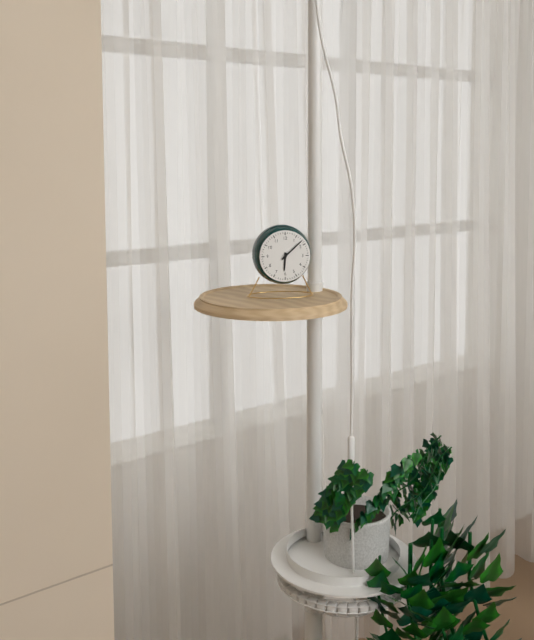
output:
6 h 08 min
